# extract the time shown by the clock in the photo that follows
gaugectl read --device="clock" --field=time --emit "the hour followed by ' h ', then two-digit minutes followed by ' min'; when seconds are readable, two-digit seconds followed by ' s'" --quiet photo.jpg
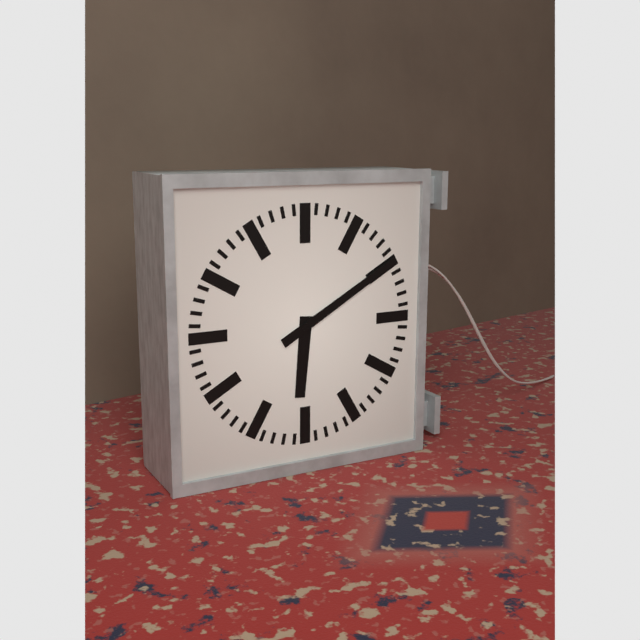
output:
6 h 10 min
